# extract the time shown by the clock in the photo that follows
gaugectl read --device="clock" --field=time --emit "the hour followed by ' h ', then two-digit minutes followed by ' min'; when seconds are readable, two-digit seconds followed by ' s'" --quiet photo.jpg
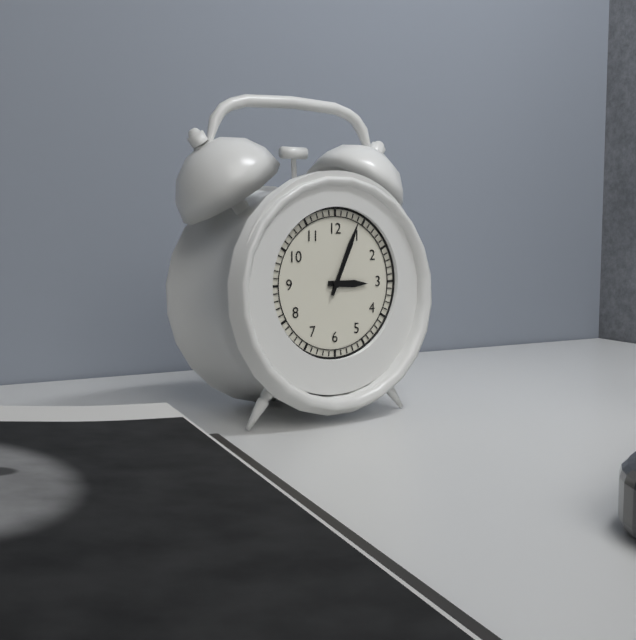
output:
3 h 04 min
